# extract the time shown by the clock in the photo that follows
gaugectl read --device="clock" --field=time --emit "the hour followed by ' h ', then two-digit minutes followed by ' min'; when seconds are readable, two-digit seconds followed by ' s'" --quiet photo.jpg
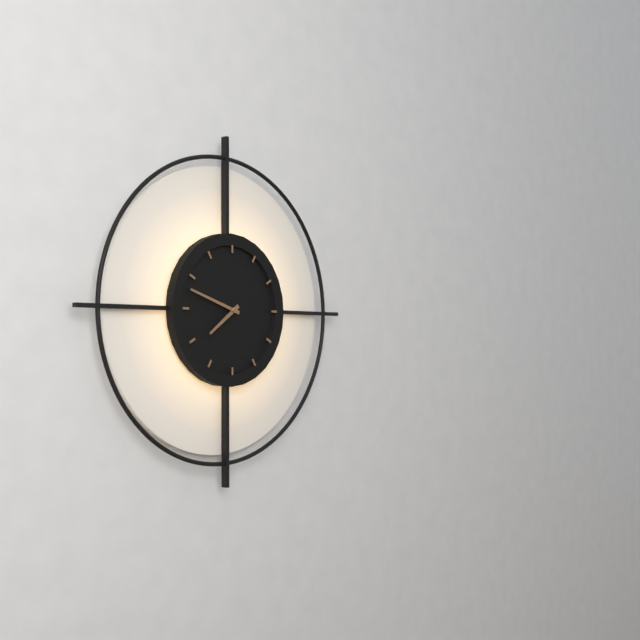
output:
7 h 48 min
